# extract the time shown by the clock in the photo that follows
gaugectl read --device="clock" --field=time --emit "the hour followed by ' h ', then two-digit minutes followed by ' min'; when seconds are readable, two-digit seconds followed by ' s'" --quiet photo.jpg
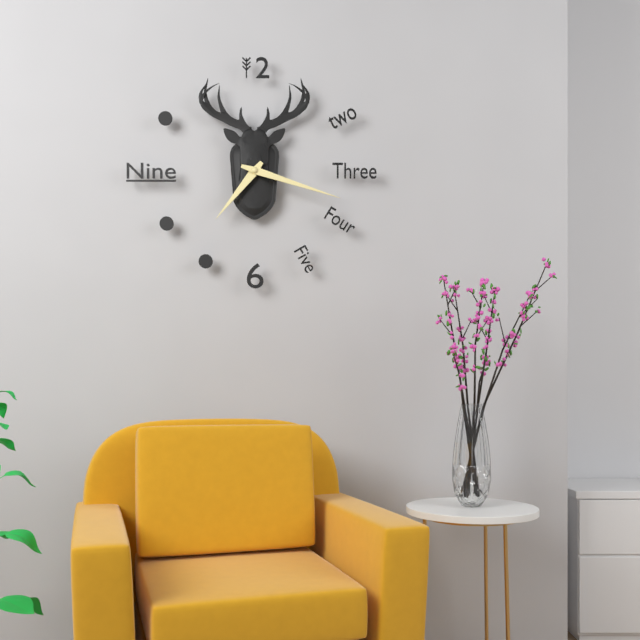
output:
7 h 18 min
